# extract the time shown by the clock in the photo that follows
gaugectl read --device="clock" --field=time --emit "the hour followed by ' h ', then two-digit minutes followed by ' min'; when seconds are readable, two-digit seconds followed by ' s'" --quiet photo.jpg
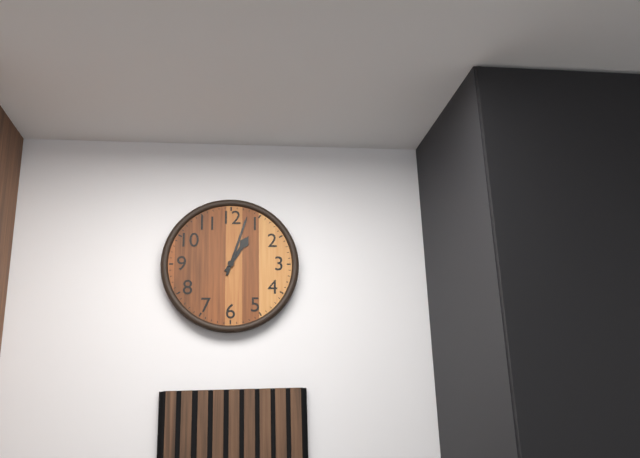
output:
1 h 03 min
